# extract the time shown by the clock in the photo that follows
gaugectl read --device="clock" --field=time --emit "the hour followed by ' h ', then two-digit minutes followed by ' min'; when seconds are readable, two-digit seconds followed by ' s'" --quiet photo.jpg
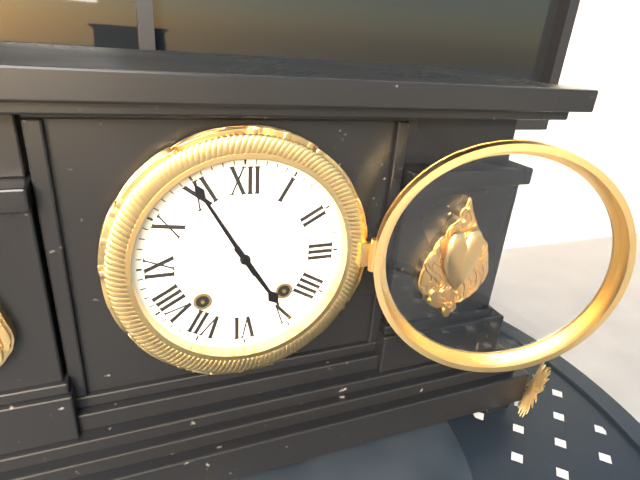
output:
4 h 55 min
